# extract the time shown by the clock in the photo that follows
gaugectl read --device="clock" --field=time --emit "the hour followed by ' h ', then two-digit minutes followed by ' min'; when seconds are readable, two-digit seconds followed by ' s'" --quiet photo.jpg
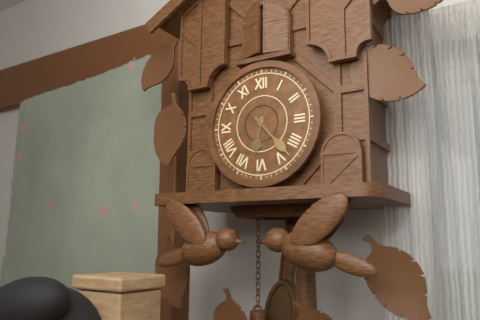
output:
6 h 23 min
